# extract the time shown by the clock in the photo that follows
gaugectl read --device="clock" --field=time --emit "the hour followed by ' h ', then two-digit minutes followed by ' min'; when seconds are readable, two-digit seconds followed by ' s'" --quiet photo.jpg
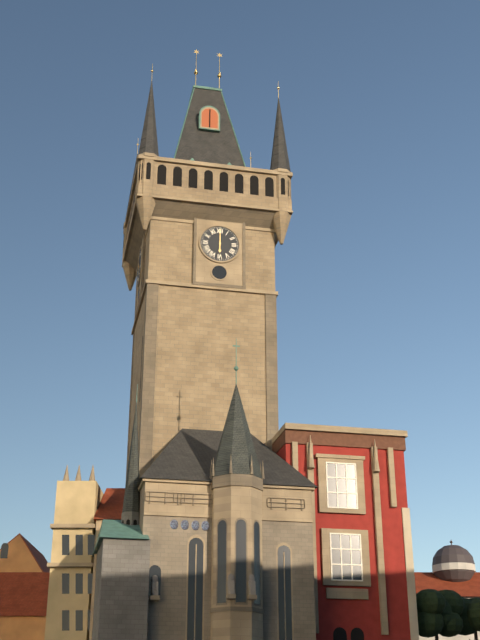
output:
6 h 00 min
